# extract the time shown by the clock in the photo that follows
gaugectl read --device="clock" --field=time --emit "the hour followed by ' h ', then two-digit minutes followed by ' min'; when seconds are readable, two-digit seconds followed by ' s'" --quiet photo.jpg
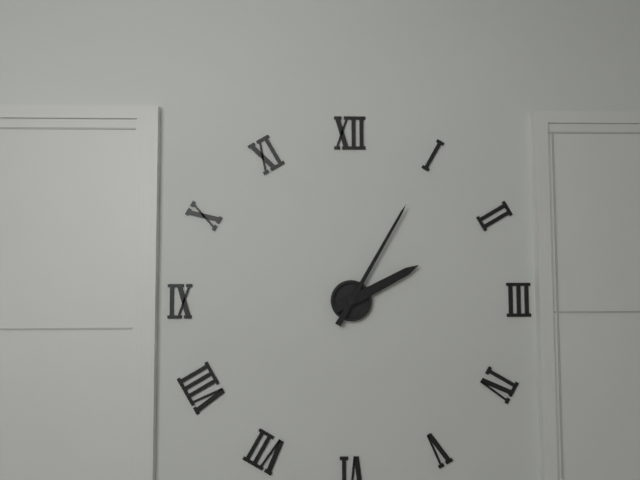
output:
2 h 05 min
